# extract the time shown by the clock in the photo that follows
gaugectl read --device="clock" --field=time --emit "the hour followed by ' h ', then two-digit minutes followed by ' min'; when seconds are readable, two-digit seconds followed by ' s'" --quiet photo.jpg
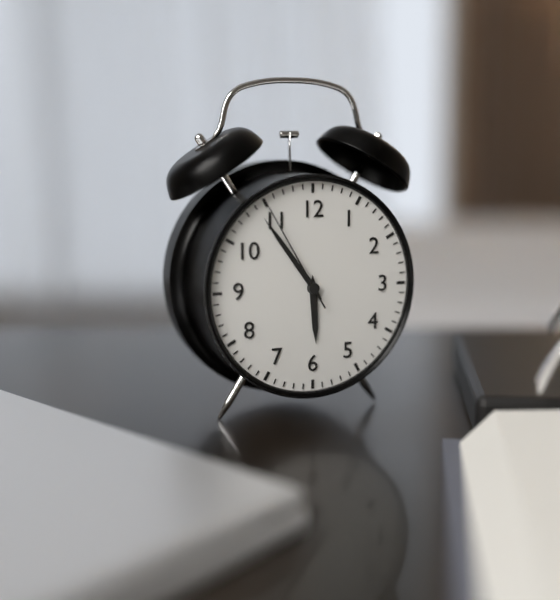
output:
5 h 54 min 55 s
